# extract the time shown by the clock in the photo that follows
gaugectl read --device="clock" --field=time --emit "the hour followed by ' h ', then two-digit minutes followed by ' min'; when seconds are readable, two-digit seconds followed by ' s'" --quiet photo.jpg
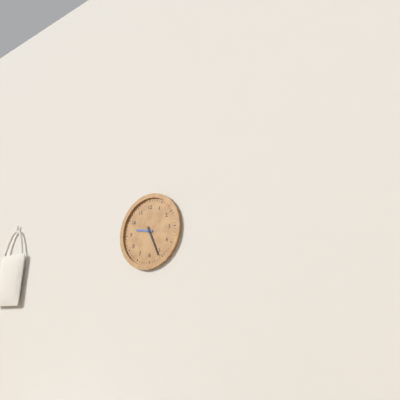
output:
9 h 26 min
